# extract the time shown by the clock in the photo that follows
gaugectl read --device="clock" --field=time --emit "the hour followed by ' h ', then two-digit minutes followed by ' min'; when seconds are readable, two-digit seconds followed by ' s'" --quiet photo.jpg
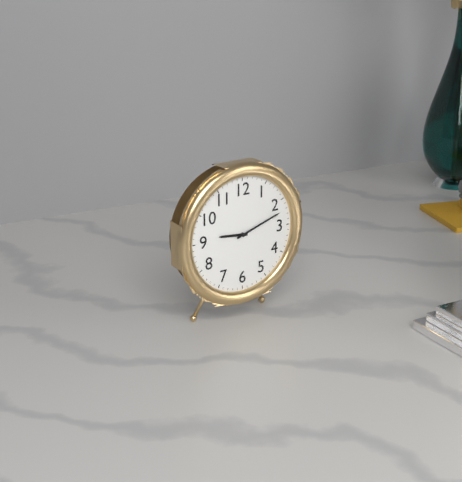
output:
9 h 12 min
